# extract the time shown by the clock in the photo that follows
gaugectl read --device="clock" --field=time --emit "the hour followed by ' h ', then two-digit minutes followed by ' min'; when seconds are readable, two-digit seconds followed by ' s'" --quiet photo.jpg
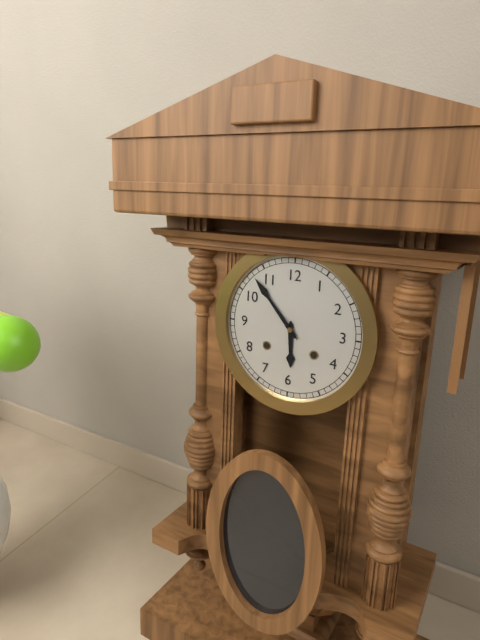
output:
5 h 53 min
